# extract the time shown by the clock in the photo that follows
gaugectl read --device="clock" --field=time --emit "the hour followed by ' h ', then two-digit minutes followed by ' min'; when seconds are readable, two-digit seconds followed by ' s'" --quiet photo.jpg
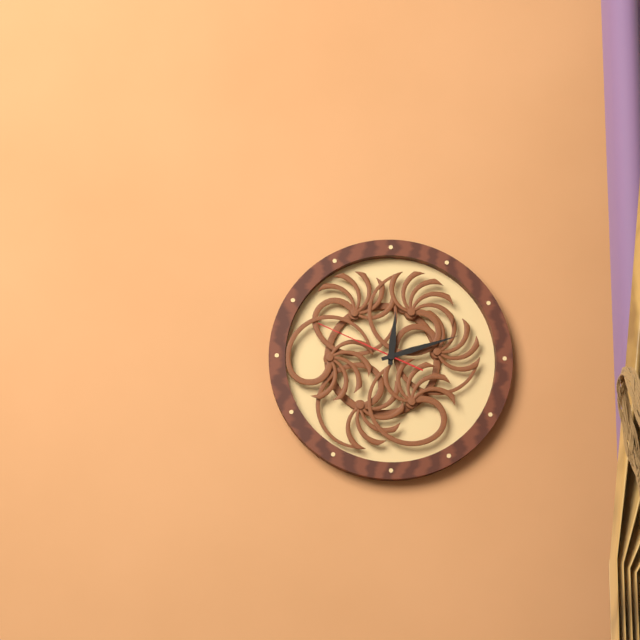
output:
12 h 12 min 49 s
